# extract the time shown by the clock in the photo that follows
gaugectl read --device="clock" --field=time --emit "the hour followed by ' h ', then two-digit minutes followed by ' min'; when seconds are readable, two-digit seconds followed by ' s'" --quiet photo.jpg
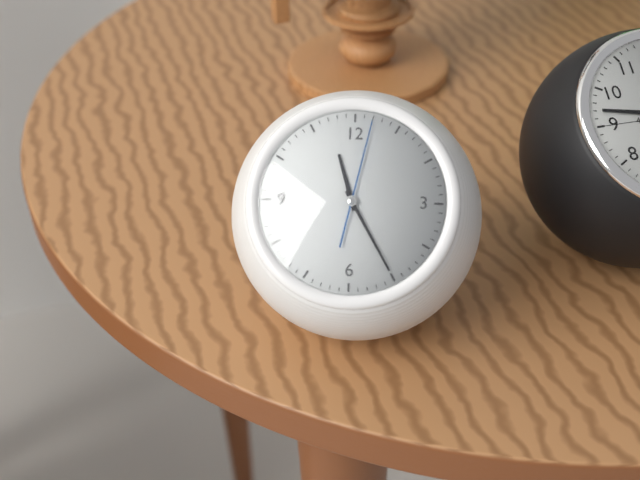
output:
11 h 25 min 02 s
